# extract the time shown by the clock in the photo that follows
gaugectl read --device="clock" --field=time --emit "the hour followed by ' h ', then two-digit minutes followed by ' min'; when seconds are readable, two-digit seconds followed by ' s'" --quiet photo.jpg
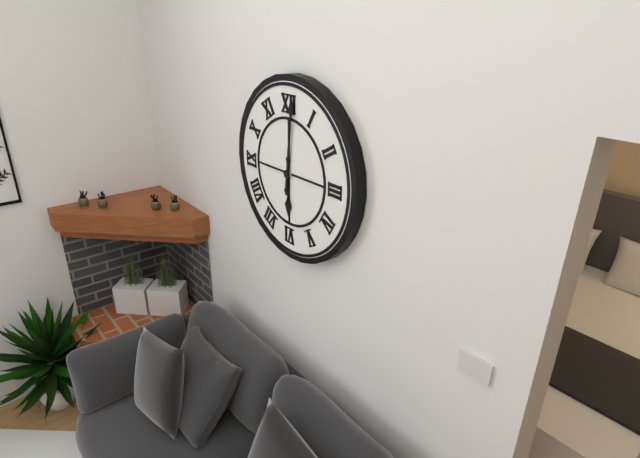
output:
6 h 01 min
